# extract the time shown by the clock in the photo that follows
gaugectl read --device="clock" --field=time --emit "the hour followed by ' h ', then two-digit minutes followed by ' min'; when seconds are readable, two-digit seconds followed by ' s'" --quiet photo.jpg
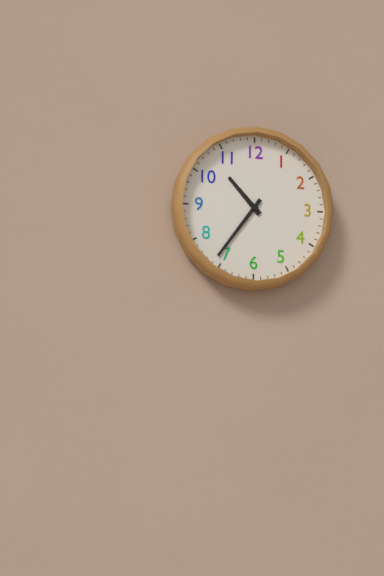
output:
10 h 36 min
